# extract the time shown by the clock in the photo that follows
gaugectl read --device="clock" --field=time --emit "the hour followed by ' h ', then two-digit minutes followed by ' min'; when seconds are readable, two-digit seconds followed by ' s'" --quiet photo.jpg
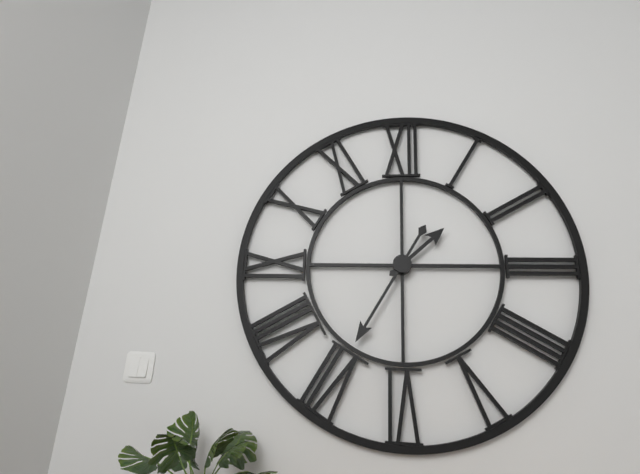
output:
1 h 35 min
